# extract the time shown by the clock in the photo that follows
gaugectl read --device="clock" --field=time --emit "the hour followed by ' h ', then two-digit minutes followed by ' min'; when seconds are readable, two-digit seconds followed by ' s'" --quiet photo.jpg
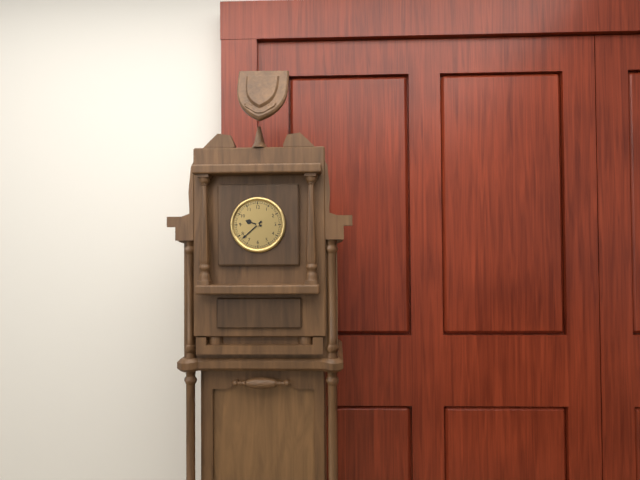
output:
9 h 38 min
